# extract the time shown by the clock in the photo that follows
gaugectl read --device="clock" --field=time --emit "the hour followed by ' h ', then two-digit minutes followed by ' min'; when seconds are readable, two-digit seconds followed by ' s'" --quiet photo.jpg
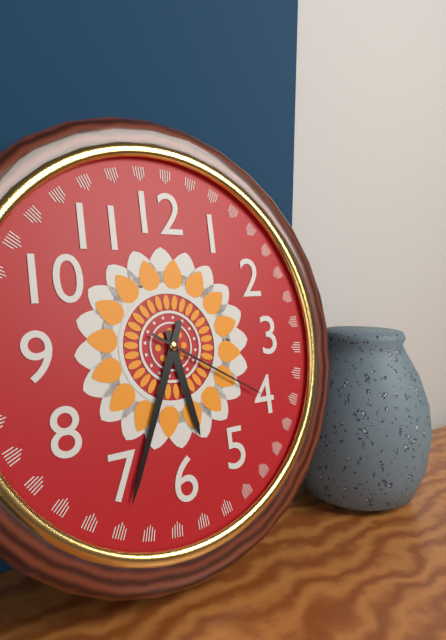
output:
5 h 34 min 20 s
